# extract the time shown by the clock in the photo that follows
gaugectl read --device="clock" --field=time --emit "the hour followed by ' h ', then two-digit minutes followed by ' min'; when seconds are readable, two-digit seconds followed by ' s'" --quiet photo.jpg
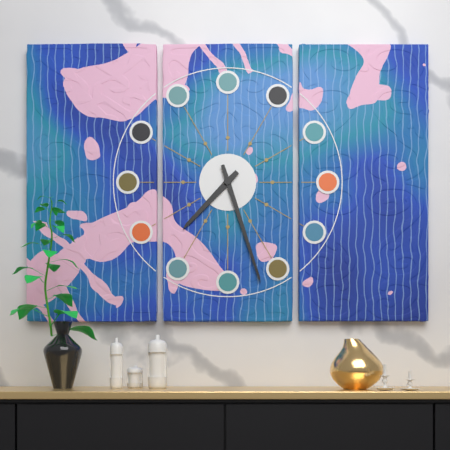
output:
7 h 27 min
